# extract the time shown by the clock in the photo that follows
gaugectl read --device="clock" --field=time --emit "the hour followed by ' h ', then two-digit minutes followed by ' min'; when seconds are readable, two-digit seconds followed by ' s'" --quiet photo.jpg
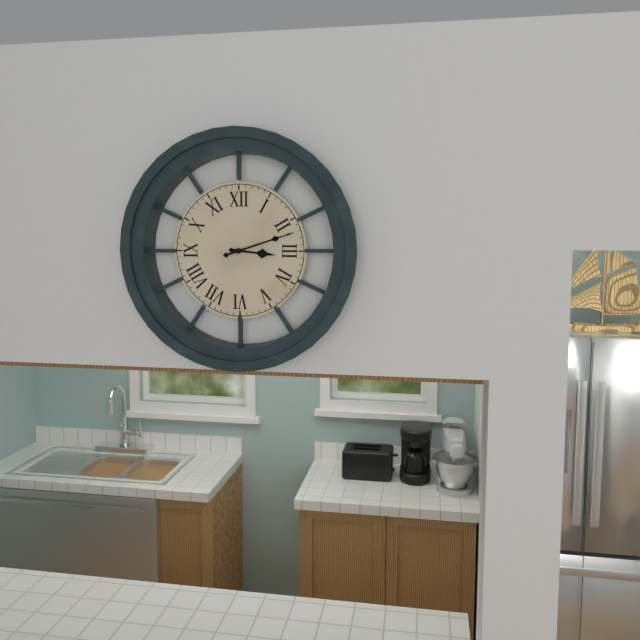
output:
3 h 12 min
